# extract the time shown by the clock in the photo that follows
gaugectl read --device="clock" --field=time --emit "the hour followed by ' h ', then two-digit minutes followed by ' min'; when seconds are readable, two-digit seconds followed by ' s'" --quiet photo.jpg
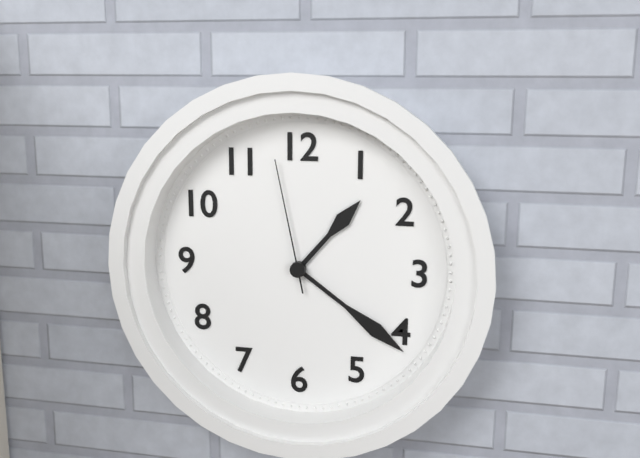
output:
1 h 21 min 58 s
